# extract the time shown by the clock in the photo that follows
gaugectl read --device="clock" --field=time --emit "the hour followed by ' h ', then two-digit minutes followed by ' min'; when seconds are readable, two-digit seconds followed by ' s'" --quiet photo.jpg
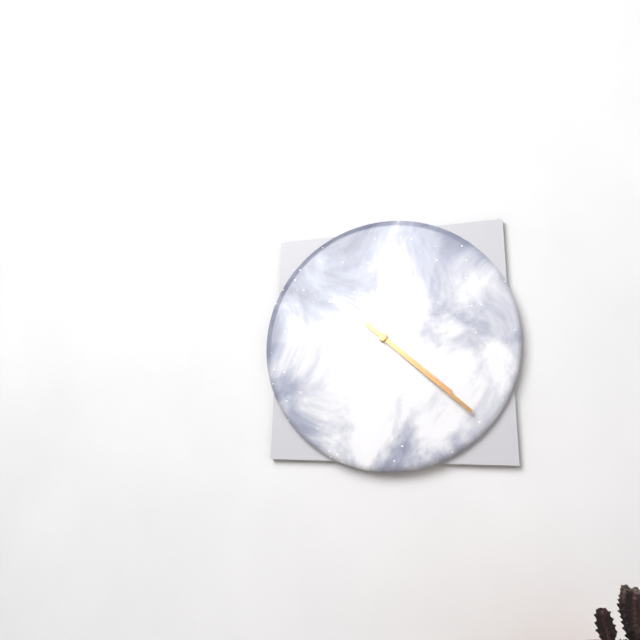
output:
4 h 22 min
